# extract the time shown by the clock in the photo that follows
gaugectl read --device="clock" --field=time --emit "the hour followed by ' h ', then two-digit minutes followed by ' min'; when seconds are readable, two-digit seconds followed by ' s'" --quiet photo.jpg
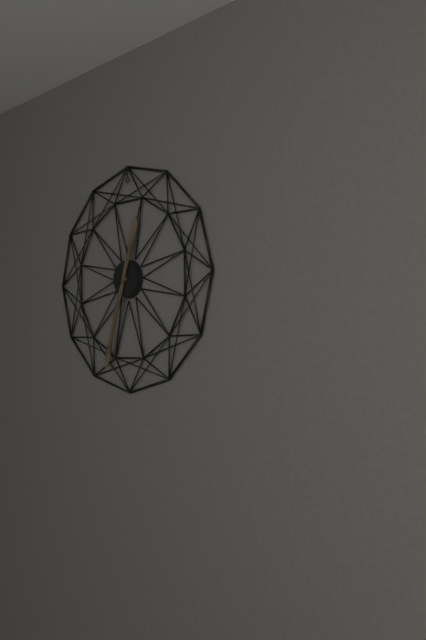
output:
12 h 33 min
